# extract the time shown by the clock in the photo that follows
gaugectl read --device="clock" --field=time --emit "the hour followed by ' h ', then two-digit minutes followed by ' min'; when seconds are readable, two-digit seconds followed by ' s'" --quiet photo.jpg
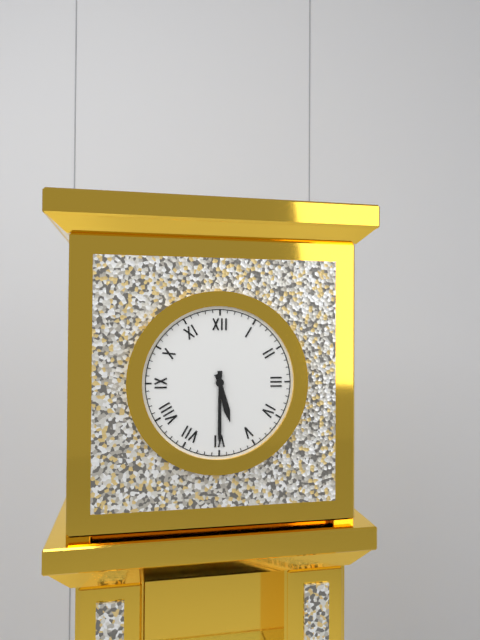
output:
5 h 30 min
